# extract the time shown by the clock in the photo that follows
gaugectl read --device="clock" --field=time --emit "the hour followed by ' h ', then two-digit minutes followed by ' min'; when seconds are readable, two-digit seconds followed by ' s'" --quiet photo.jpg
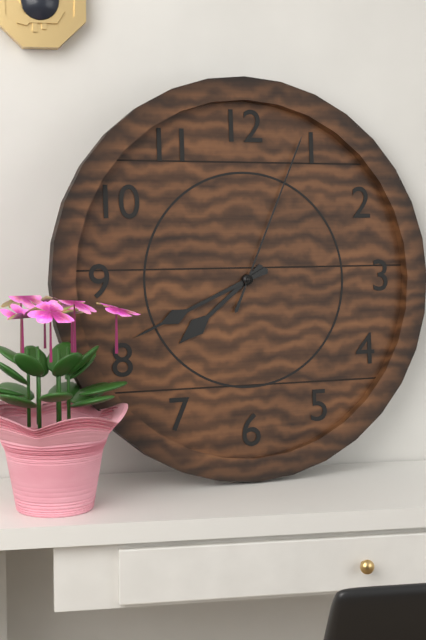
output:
7 h 41 min 04 s
